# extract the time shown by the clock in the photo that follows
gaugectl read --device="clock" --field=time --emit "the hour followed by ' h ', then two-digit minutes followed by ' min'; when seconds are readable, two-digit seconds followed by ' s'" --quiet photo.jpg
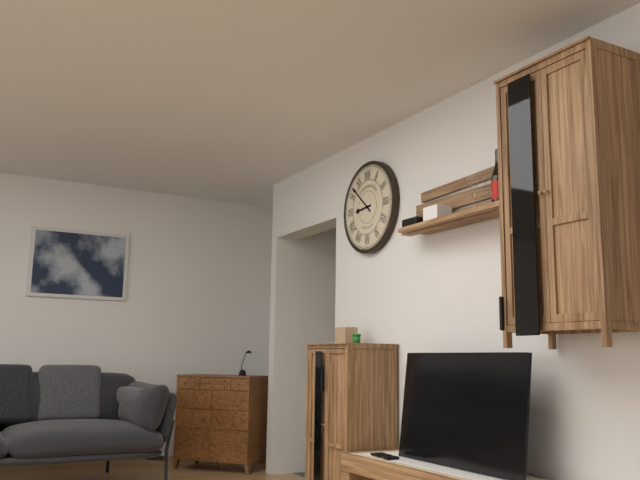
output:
8 h 52 min
